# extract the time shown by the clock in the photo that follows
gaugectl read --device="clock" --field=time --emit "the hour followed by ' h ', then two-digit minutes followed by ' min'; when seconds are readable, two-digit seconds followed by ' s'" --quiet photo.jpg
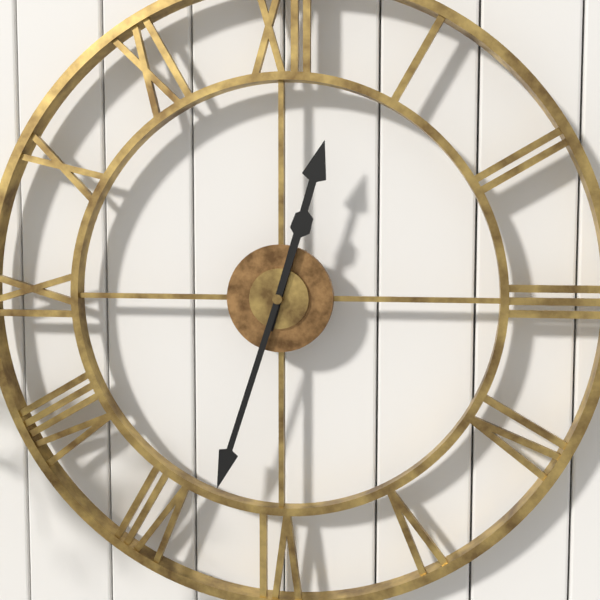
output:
12 h 33 min
